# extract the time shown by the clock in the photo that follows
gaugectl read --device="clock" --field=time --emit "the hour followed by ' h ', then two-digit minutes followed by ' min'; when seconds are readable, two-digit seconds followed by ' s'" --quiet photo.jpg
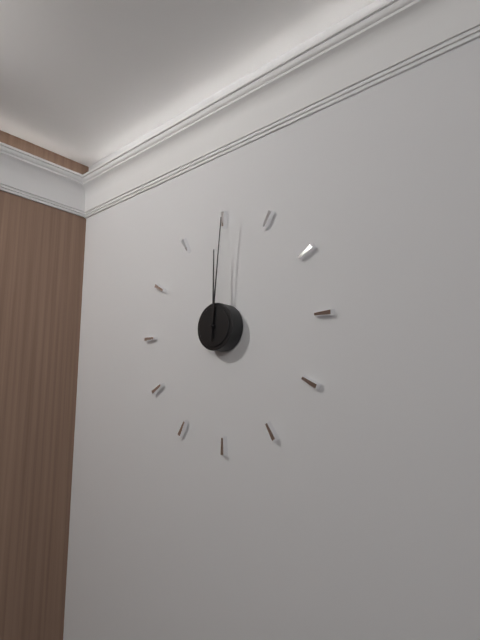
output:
12 h 01 min
